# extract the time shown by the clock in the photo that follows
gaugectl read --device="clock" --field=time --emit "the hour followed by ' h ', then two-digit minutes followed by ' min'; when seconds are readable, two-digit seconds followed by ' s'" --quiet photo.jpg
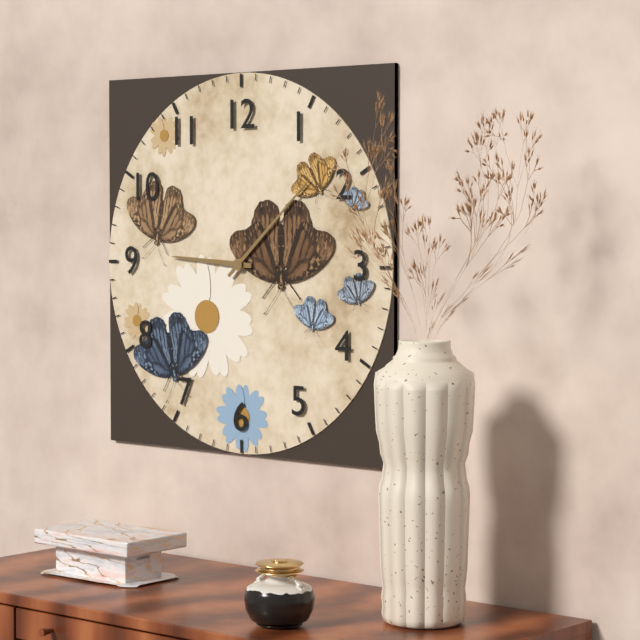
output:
9 h 08 min
